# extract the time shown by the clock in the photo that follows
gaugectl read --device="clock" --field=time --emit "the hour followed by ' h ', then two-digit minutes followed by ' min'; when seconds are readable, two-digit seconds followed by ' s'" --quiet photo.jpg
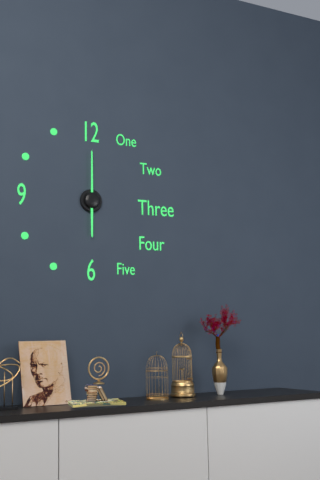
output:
6 h 00 min
